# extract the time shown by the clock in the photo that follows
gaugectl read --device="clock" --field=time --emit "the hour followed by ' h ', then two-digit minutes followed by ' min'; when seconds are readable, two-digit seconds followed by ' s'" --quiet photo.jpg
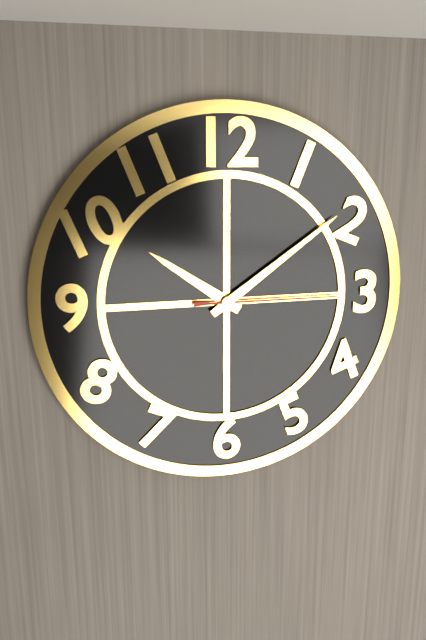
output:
10 h 09 min 15 s
